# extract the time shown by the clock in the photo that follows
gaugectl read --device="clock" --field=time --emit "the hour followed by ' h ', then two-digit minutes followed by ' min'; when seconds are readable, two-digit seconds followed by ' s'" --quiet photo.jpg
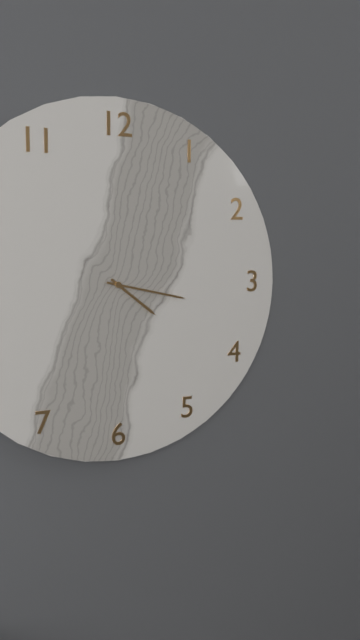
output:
4 h 17 min
